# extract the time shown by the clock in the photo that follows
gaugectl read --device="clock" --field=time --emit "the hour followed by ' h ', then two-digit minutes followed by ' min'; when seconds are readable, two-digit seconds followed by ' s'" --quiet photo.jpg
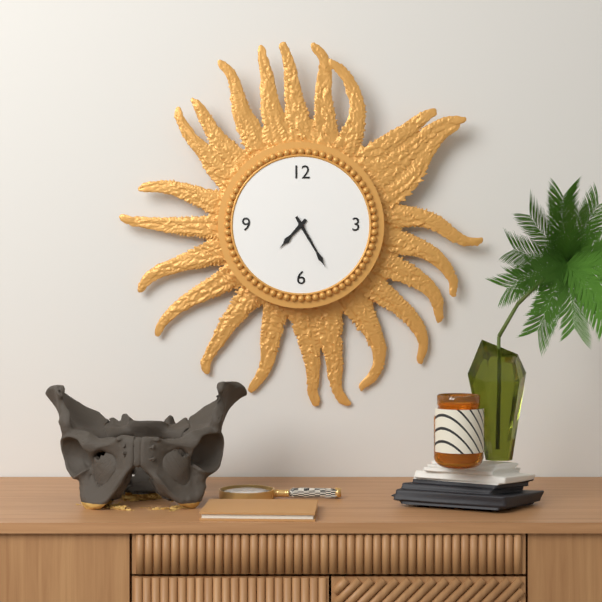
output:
7 h 25 min
